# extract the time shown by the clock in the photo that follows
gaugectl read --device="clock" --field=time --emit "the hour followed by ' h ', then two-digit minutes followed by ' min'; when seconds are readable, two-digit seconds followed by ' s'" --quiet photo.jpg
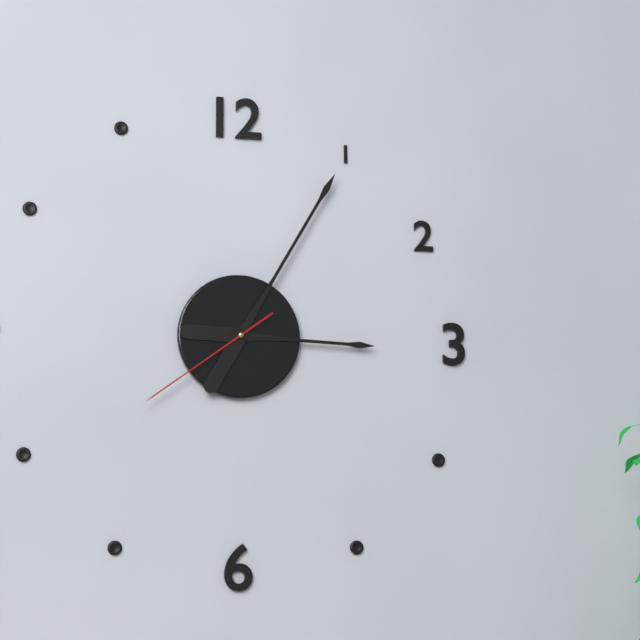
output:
3 h 05 min 39 s
